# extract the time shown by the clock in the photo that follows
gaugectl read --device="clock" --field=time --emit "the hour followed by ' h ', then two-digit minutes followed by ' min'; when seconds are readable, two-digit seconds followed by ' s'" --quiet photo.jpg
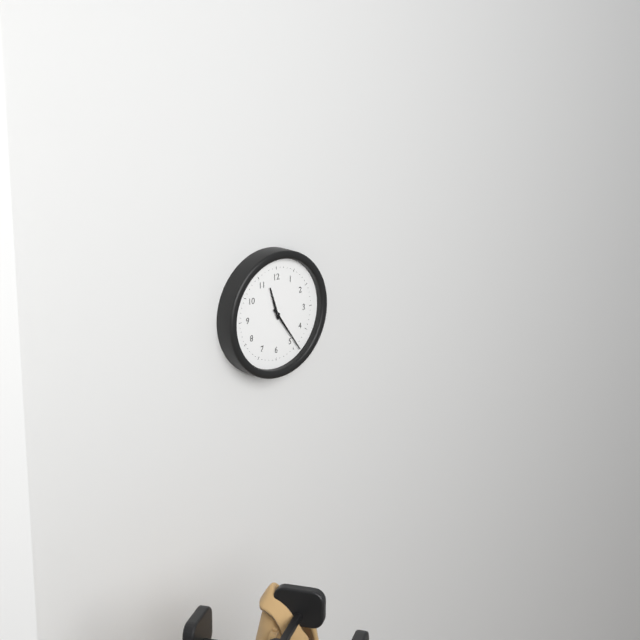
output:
11 h 24 min
